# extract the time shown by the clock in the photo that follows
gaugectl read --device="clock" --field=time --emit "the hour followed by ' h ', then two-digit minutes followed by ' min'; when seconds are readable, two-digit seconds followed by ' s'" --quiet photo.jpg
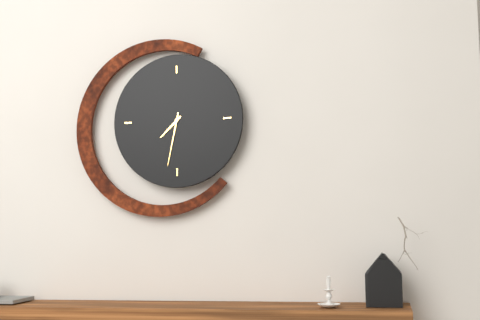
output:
7 h 32 min
